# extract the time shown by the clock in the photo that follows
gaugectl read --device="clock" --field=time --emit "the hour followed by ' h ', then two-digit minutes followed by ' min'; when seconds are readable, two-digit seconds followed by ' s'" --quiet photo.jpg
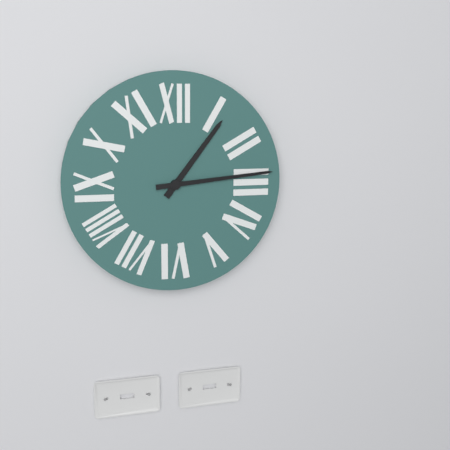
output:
1 h 14 min
